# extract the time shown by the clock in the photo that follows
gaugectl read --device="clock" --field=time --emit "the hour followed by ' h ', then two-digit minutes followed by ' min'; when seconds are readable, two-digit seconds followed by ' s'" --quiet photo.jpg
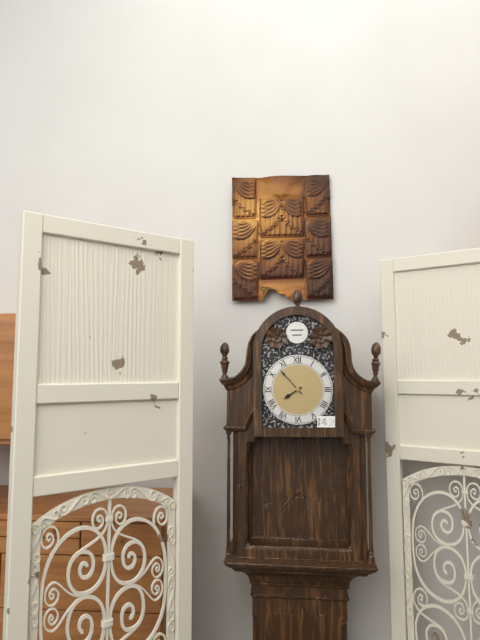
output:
7 h 53 min
